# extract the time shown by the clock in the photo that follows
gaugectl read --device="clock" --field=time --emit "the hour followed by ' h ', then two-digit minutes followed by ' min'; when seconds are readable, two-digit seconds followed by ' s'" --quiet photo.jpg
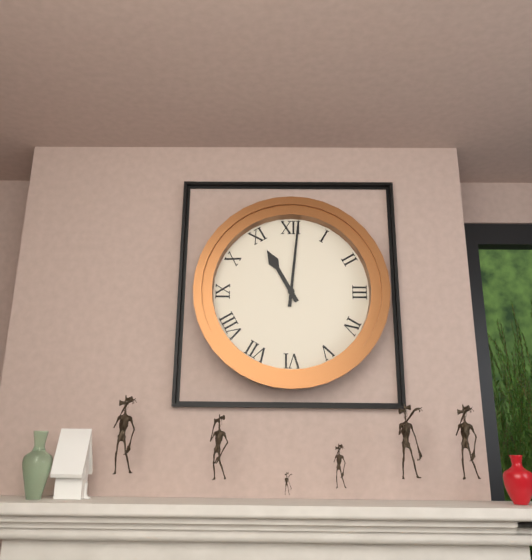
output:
11 h 01 min
